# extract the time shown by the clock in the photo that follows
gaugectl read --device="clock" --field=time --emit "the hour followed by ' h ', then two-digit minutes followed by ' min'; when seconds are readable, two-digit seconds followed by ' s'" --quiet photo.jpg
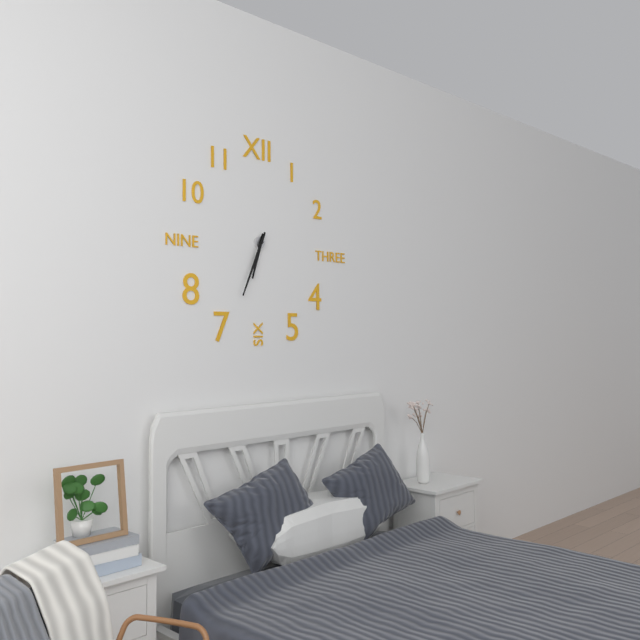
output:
6 h 34 min
